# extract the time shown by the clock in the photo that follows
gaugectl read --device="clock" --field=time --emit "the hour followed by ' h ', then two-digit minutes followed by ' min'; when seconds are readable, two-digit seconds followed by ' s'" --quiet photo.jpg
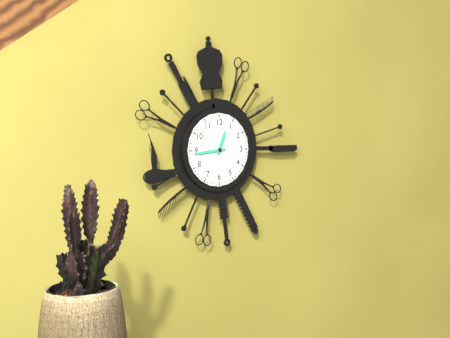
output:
12 h 44 min
